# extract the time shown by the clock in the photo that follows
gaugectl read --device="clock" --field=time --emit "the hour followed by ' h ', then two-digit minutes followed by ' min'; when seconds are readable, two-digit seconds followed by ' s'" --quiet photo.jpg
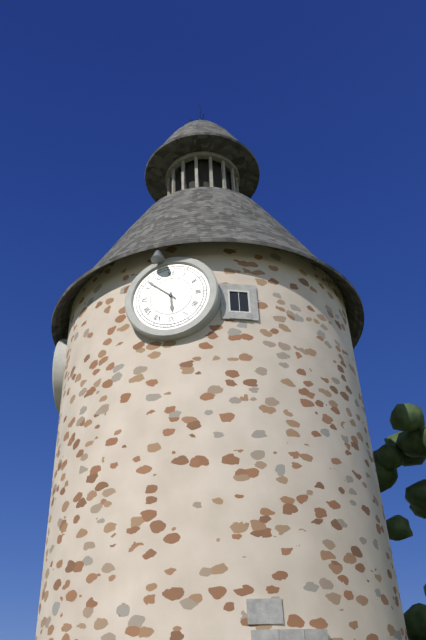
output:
5 h 52 min
